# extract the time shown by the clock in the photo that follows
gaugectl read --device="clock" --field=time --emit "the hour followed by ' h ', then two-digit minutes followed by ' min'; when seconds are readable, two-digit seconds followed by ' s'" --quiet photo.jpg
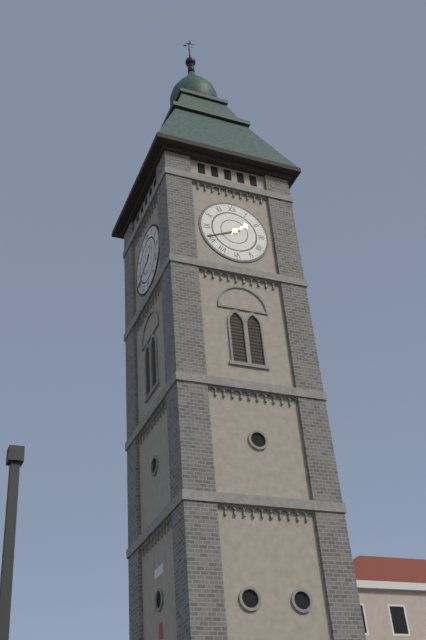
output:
1 h 41 min
